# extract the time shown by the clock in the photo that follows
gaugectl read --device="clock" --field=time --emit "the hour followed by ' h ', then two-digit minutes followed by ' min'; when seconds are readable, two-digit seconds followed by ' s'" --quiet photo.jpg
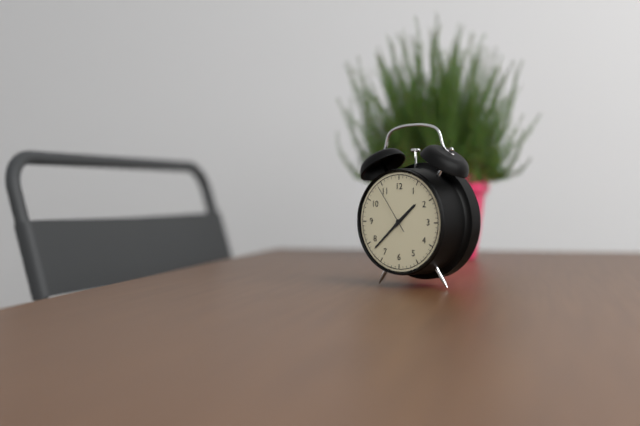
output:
1 h 38 min 54 s
